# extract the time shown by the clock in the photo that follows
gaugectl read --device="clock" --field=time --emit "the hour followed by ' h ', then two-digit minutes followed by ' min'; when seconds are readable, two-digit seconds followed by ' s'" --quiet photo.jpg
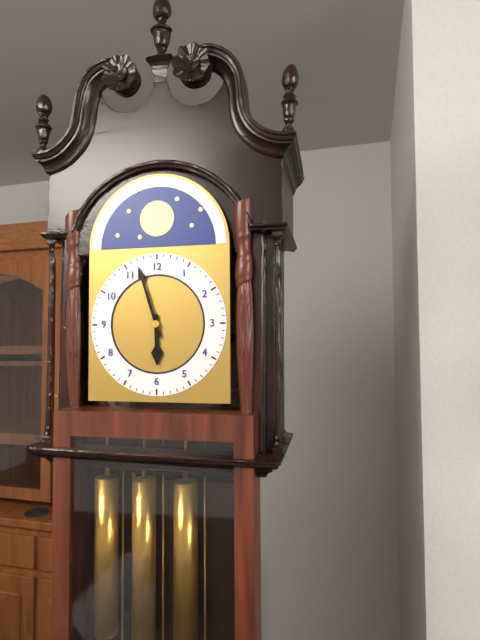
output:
5 h 57 min
